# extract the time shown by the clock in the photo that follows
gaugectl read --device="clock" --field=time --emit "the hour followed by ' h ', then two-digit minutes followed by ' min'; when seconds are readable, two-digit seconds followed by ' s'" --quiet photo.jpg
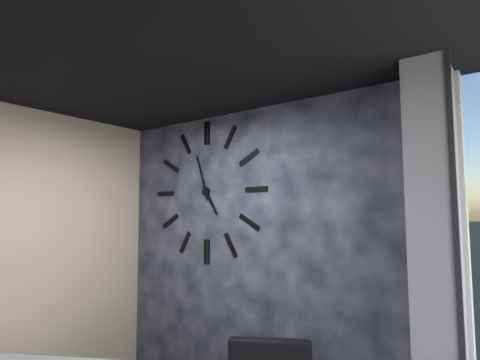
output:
4 h 57 min
